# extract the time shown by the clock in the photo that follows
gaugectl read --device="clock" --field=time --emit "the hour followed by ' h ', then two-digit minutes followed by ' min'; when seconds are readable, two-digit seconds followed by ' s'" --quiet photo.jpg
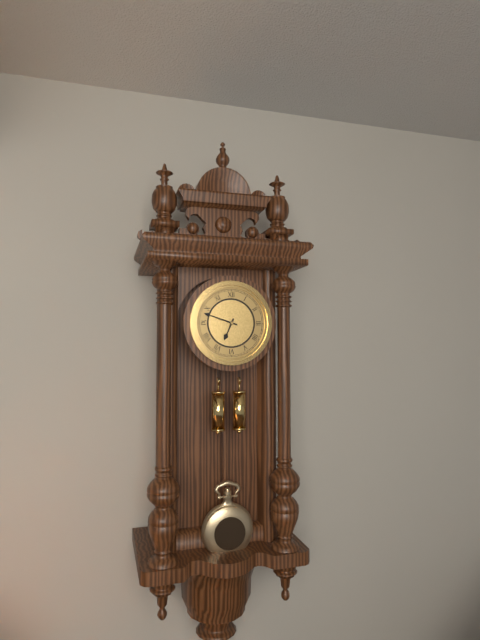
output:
6 h 48 min
